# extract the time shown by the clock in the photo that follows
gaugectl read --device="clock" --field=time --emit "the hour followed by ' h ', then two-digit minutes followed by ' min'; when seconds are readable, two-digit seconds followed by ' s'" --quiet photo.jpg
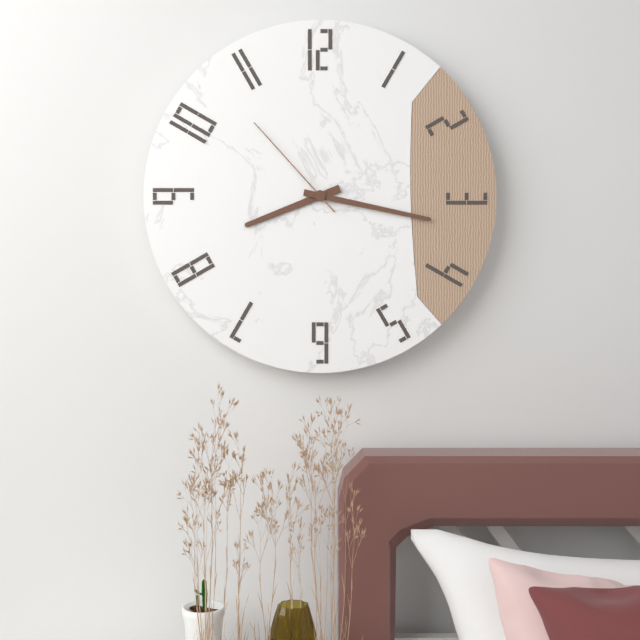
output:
8 h 17 min 53 s
